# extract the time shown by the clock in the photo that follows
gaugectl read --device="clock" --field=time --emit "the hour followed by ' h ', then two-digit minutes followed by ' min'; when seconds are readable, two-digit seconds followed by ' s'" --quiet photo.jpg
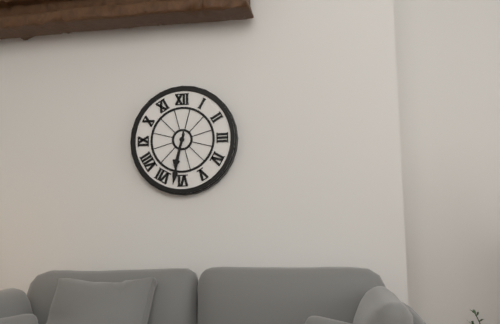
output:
6 h 32 min
